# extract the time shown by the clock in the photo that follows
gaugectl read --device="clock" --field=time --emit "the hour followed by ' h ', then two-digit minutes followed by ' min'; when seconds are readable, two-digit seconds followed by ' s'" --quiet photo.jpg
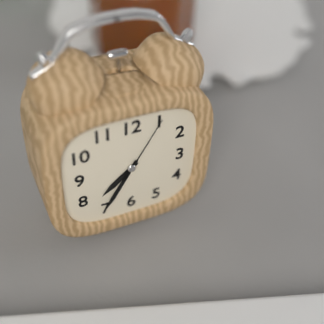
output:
7 h 35 min 05 s
